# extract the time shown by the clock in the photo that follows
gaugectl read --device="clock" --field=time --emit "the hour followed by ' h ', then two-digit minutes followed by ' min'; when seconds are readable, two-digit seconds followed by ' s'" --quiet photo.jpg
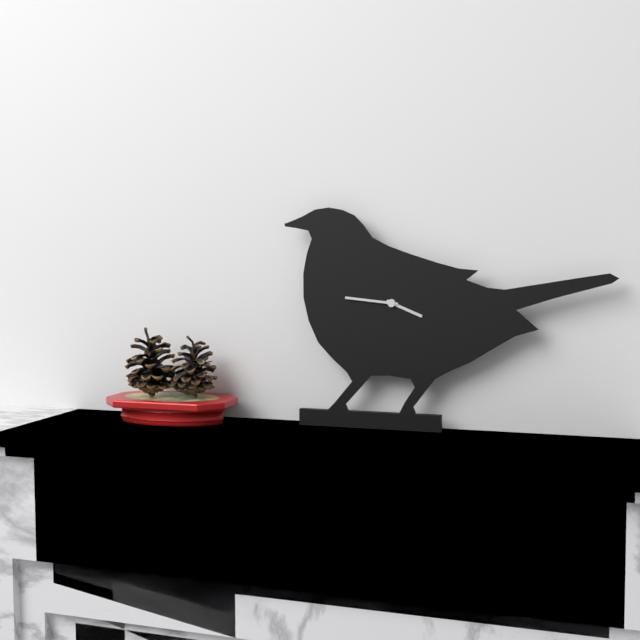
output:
3 h 46 min
